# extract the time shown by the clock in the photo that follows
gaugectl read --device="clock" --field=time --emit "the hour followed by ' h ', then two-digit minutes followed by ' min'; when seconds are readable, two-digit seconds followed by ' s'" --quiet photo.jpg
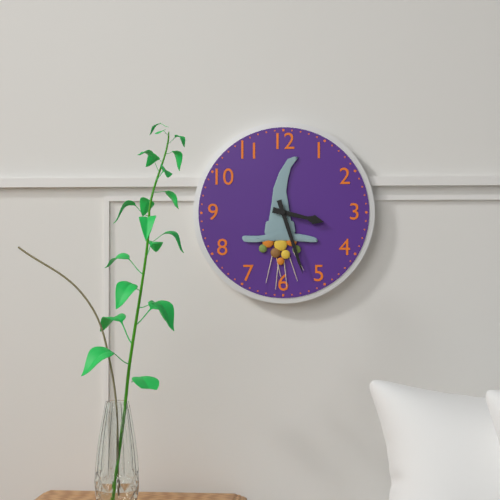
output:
3 h 27 min
